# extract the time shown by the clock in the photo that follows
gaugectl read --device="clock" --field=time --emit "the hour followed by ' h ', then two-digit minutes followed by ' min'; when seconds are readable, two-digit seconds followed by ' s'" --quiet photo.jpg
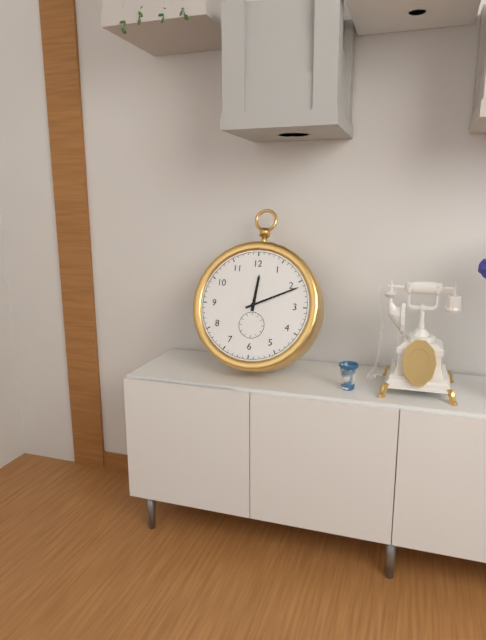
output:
12 h 11 min
